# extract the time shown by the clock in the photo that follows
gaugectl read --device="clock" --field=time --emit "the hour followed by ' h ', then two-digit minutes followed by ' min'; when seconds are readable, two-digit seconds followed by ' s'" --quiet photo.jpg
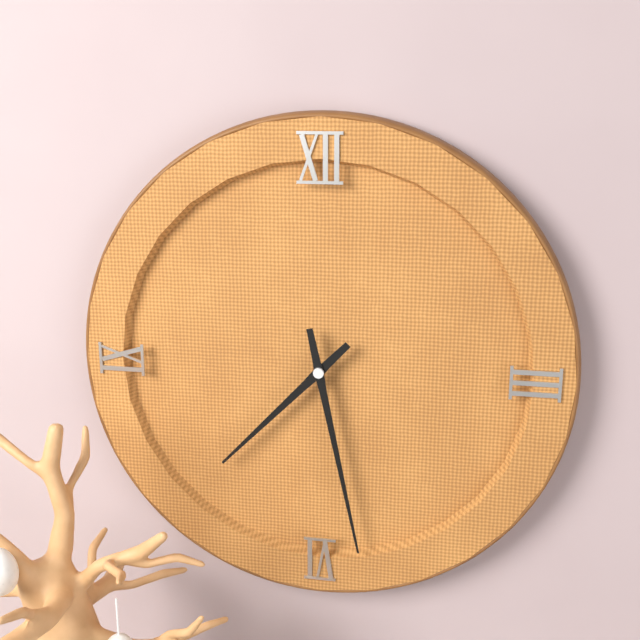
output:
7 h 28 min
